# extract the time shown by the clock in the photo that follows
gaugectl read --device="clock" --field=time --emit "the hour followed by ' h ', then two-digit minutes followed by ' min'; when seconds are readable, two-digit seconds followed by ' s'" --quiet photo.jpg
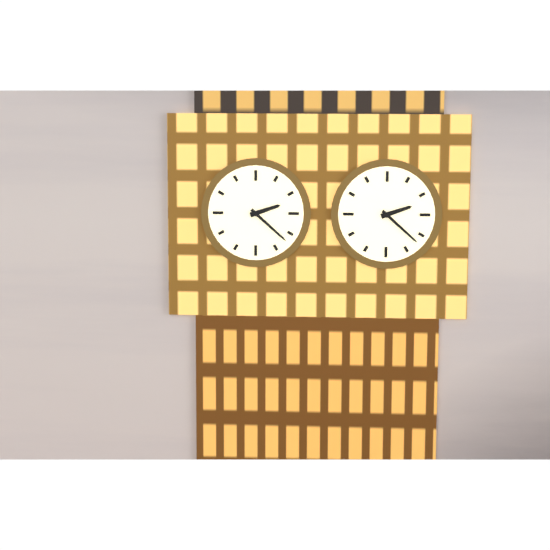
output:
2 h 22 min
